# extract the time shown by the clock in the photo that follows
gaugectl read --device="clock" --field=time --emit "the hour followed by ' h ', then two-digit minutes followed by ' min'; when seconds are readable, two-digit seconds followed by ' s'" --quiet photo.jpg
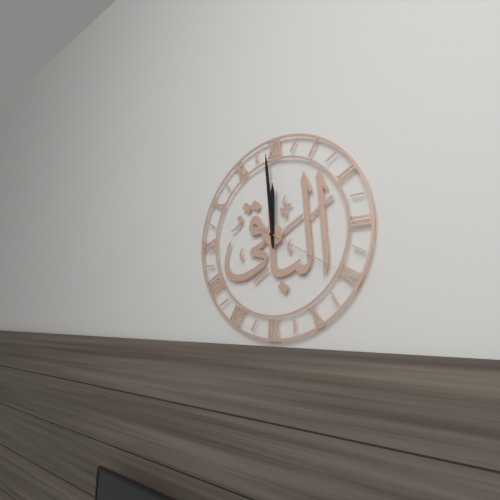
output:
11 h 59 min 20 s
